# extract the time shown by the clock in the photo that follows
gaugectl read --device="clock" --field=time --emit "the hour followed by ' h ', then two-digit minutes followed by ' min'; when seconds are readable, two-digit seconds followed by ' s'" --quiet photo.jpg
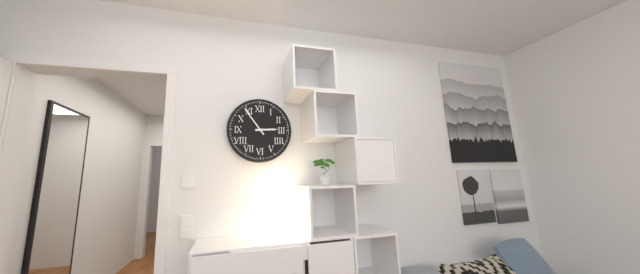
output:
2 h 54 min
